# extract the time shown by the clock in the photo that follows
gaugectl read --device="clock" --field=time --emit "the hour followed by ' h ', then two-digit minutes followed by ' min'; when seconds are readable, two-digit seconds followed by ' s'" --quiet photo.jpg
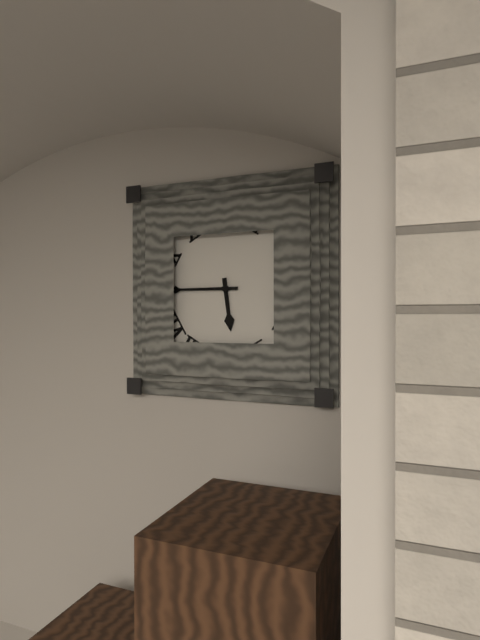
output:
5 h 45 min
